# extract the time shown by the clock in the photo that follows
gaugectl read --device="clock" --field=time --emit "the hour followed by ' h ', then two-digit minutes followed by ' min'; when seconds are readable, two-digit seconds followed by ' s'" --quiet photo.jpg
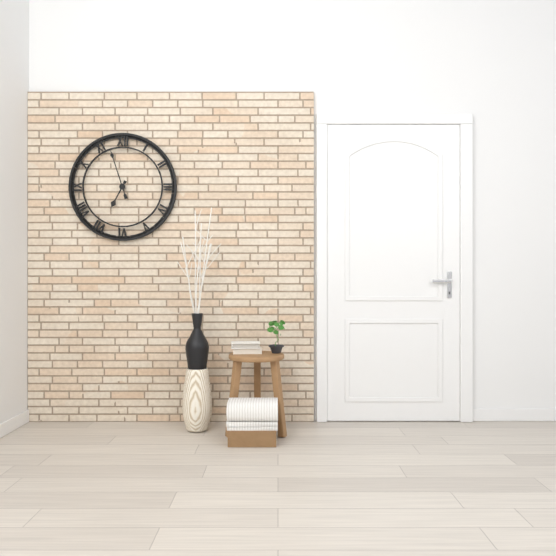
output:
6 h 57 min
